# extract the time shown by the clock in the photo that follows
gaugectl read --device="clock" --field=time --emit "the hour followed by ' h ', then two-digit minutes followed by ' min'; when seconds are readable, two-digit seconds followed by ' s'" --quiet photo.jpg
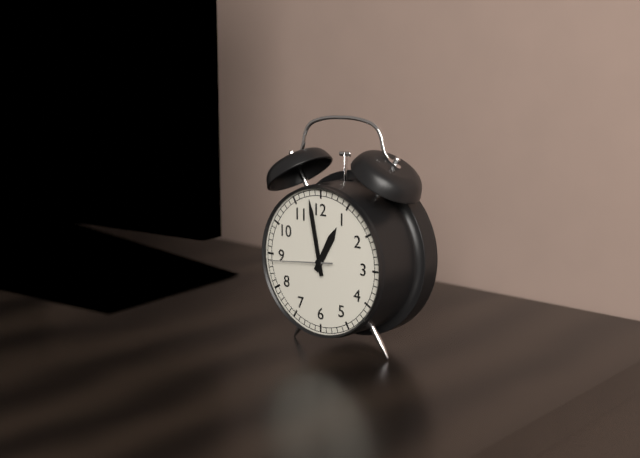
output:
12 h 58 min 44 s
